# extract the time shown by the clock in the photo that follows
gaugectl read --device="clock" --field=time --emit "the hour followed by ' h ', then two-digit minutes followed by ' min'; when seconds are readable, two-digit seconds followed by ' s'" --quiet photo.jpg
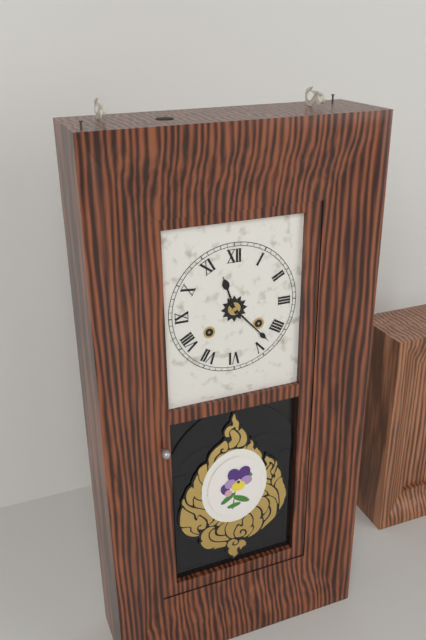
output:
11 h 23 min
